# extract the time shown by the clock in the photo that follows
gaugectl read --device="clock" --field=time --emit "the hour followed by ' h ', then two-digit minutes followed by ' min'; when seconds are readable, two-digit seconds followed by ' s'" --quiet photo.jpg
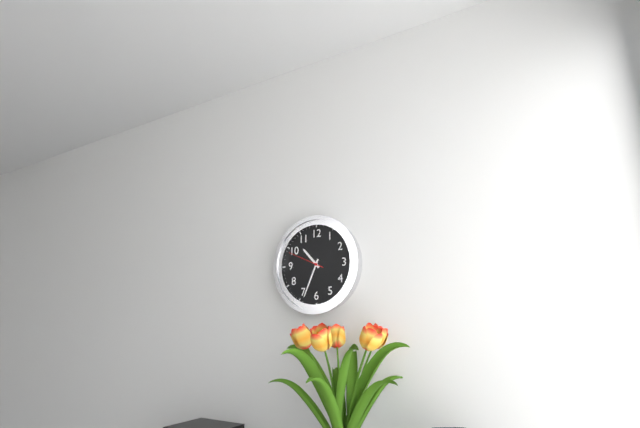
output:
10 h 34 min
